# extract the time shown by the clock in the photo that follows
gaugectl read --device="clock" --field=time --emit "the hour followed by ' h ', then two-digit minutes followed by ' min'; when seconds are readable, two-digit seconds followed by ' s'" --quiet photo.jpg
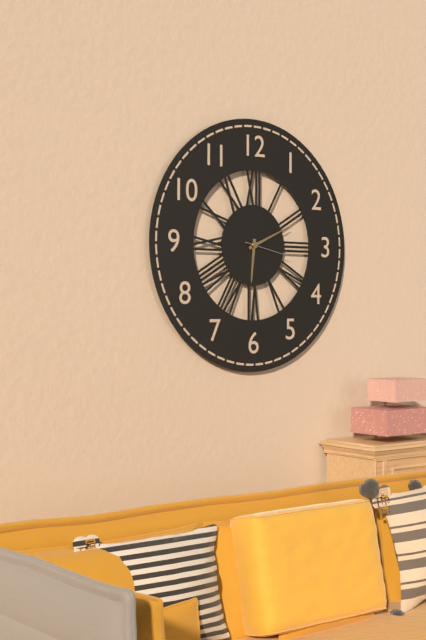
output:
6 h 11 min
